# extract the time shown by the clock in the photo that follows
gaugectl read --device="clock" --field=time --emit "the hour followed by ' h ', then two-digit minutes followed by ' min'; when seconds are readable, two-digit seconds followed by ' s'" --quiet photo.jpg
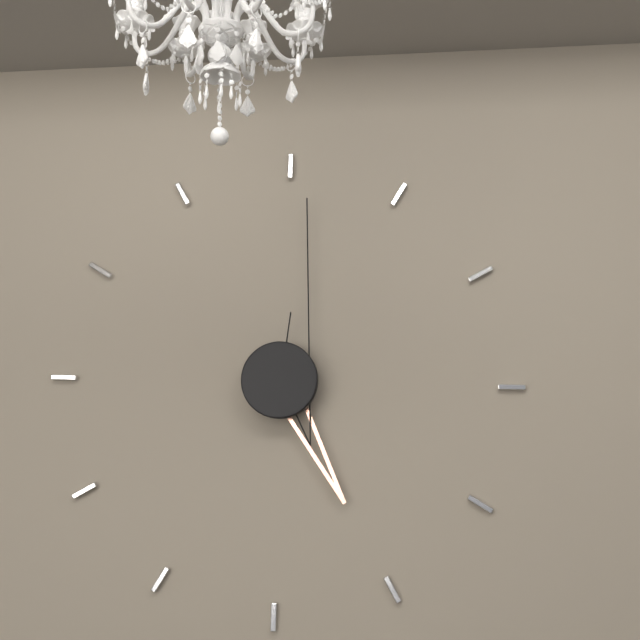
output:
5 h 01 min
